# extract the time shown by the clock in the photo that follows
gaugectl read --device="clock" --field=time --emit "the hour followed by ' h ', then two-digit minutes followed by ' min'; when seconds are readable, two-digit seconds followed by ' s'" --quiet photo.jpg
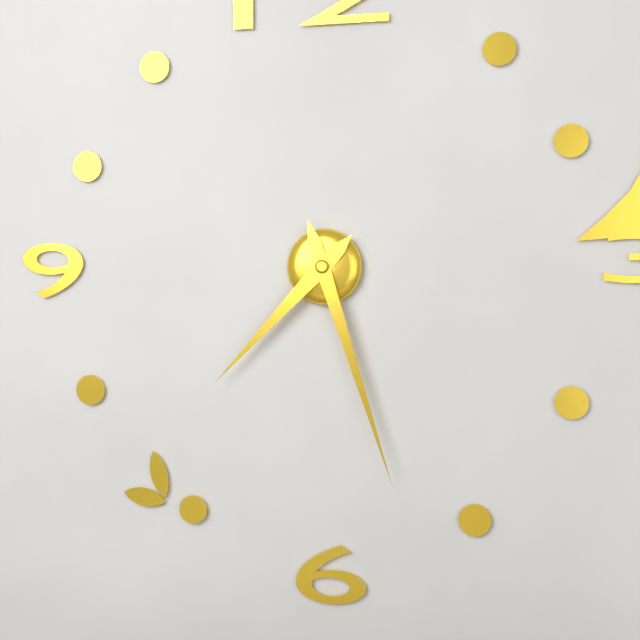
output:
7 h 27 min
